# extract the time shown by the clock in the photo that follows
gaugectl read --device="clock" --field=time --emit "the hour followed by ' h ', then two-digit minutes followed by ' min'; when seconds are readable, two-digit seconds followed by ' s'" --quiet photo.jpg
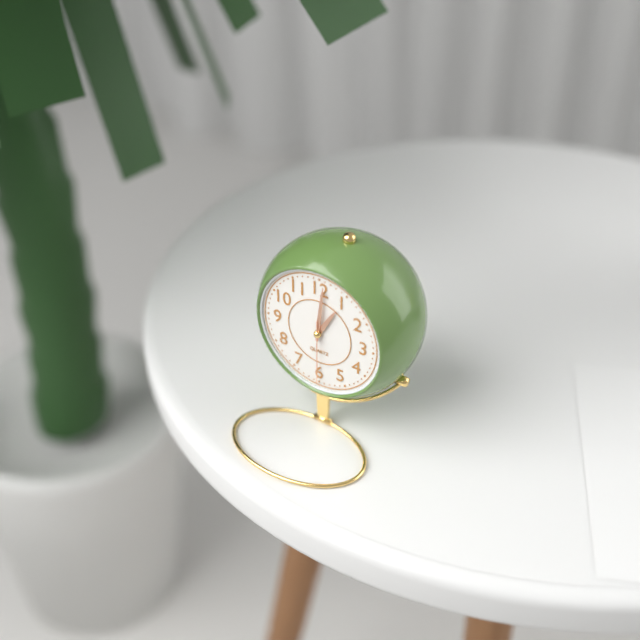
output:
1 h 01 min 30 s
